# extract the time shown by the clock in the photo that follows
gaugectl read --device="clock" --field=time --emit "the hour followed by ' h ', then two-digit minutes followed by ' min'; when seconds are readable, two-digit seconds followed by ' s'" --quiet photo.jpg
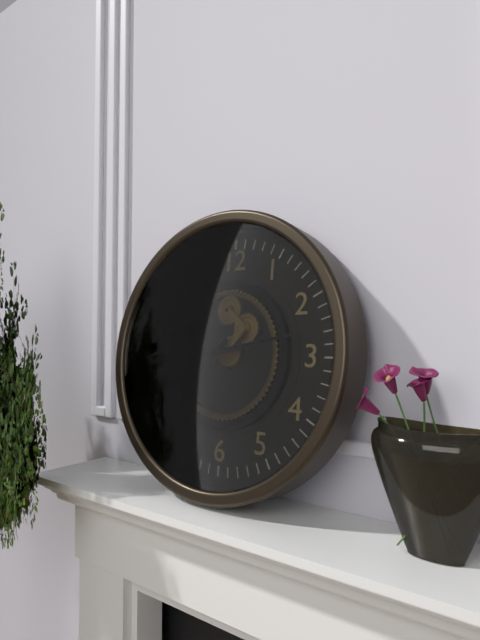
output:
7 h 13 min
